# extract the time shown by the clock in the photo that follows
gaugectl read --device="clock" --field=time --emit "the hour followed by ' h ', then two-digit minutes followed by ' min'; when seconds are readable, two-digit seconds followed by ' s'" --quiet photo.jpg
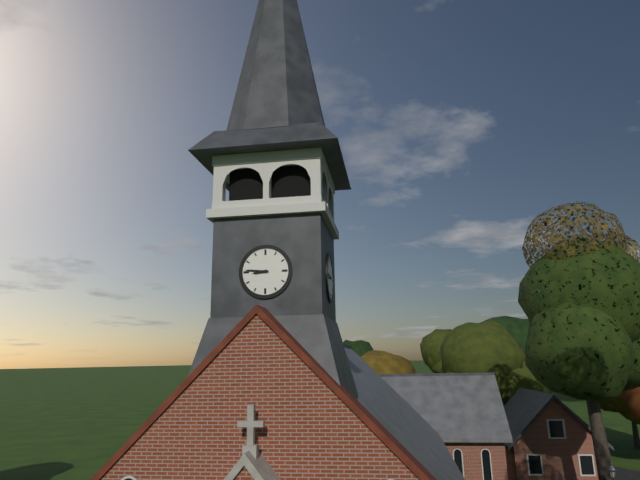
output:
8 h 46 min
